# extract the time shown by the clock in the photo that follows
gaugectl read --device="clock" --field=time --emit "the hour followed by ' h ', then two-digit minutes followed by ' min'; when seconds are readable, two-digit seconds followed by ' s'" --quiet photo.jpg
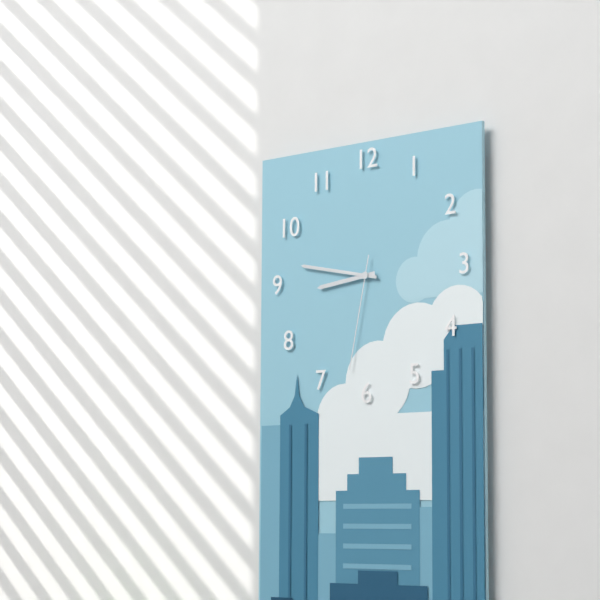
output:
8 h 47 min 32 s
